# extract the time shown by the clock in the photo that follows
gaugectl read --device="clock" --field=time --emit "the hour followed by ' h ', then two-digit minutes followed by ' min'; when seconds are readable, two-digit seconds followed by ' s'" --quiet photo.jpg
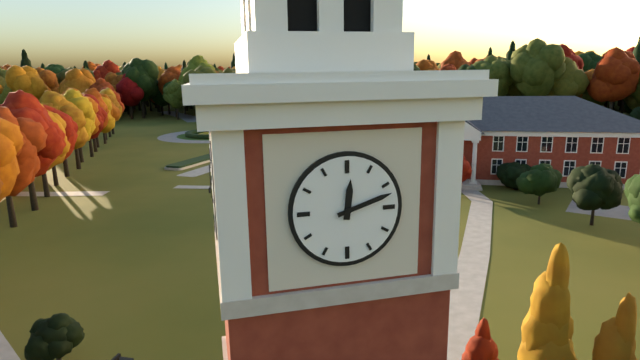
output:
12 h 12 min
